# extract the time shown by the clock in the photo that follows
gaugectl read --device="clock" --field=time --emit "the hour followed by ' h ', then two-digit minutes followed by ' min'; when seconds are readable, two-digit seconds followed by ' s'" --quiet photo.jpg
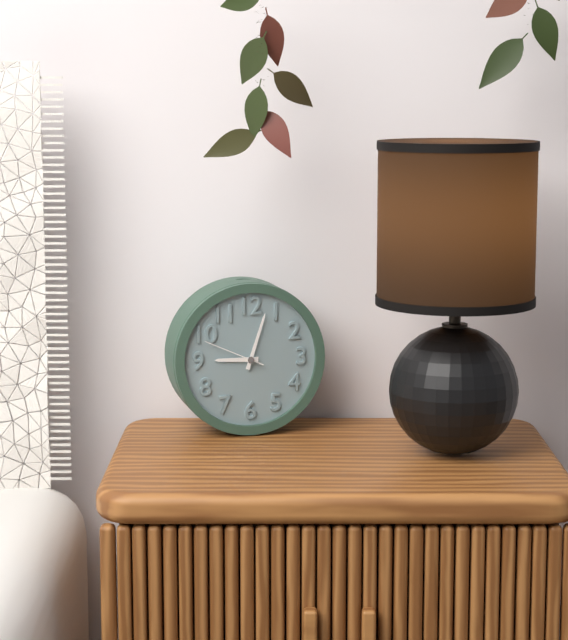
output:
9 h 03 min 49 s
